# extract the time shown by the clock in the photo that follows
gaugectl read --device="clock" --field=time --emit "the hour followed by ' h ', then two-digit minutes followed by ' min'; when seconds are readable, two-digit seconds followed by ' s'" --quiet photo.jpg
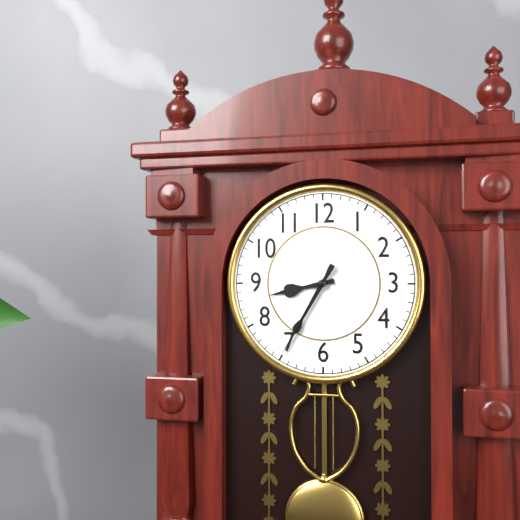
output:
8 h 35 min 35 s
